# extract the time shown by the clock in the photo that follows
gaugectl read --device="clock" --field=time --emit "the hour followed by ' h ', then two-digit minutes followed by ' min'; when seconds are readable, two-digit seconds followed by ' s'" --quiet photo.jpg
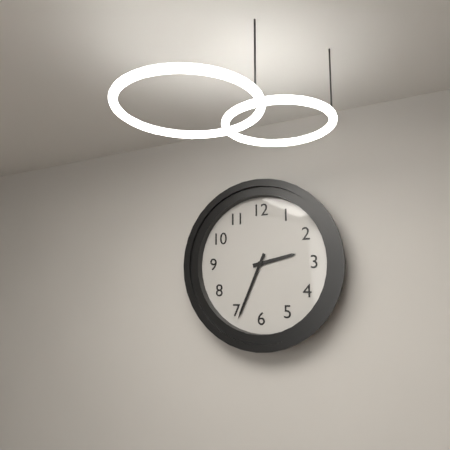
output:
2 h 34 min
